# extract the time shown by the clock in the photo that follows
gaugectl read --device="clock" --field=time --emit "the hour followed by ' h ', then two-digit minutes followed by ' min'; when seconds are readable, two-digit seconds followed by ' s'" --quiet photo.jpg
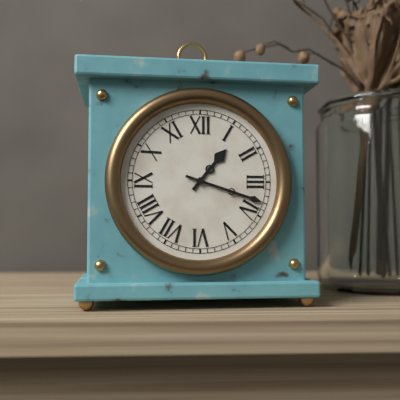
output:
1 h 18 min
